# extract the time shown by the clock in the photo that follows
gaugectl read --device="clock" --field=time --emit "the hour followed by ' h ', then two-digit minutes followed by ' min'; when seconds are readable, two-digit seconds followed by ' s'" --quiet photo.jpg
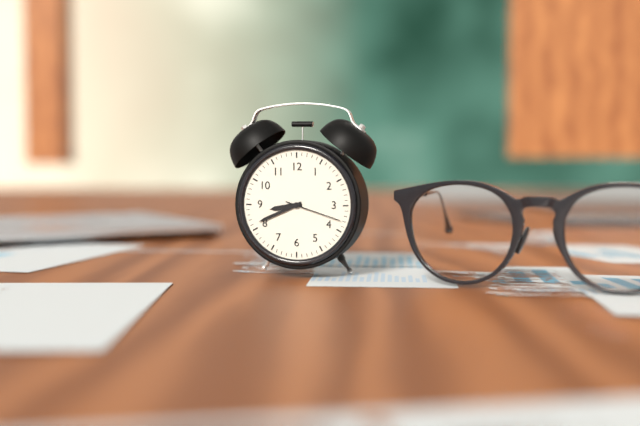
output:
8 h 41 min 18 s
